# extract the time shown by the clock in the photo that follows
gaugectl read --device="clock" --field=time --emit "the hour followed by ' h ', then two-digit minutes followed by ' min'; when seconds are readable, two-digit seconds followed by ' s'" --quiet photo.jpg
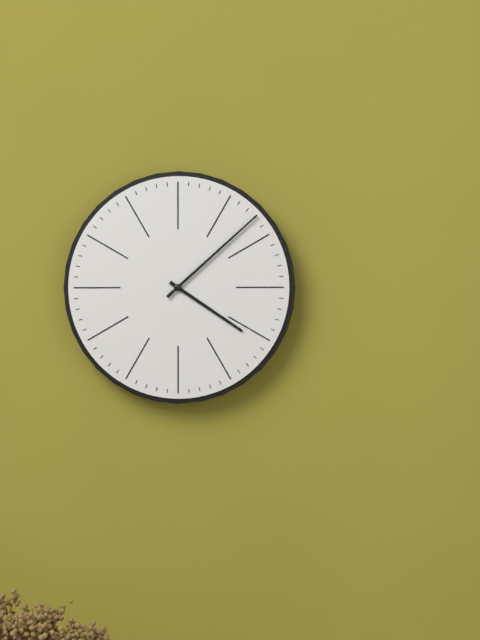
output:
4 h 08 min
